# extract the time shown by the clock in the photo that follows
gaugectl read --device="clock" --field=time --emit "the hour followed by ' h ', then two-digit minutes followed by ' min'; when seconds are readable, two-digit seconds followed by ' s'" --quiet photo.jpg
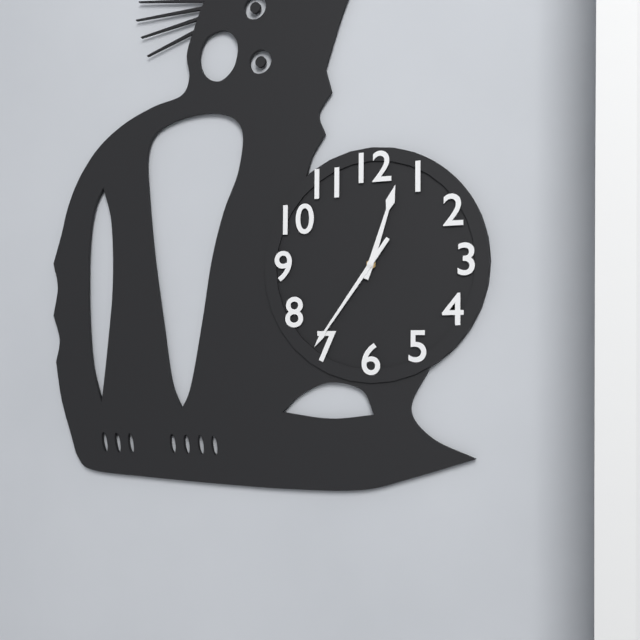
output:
12 h 36 min
